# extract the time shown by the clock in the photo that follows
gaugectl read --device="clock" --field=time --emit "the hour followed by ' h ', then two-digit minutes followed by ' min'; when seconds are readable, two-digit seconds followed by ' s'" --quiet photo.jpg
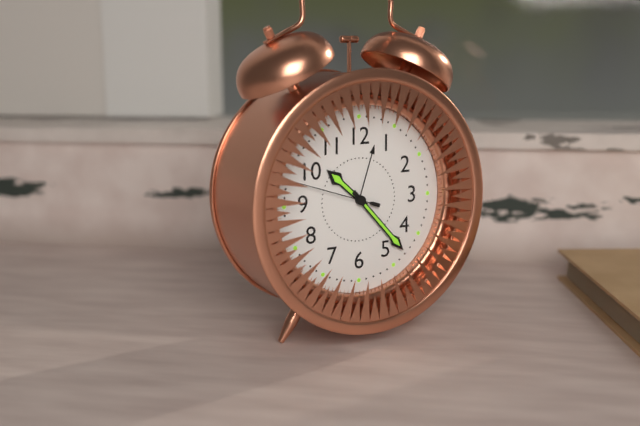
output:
10 h 23 min 48 s
